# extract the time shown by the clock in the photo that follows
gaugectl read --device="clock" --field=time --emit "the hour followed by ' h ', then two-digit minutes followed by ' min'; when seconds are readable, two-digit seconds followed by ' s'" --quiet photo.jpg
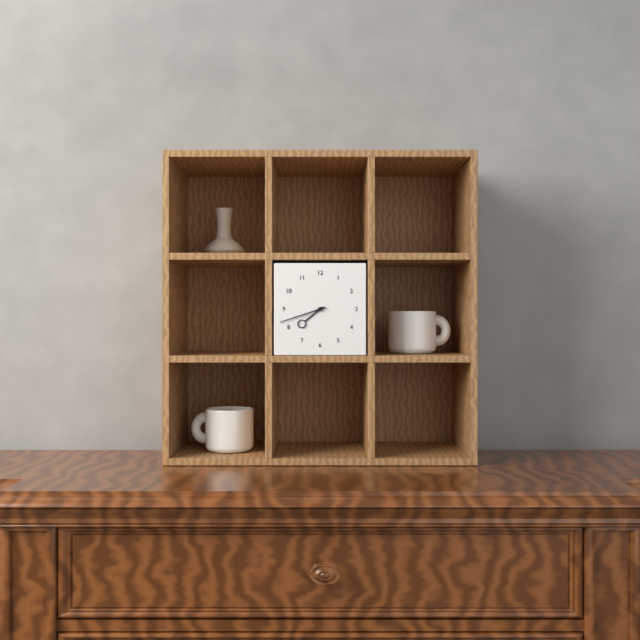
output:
7 h 42 min
